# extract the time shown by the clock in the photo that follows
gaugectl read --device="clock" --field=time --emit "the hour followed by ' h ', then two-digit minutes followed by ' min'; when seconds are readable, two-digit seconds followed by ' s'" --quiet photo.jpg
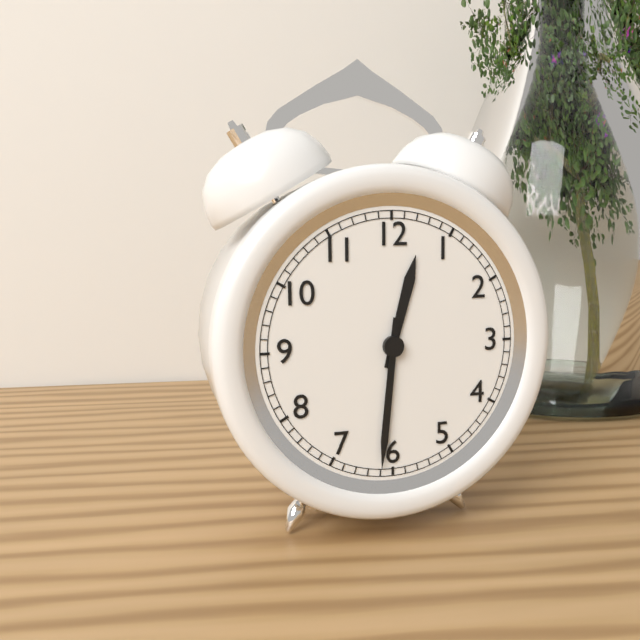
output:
12 h 31 min
